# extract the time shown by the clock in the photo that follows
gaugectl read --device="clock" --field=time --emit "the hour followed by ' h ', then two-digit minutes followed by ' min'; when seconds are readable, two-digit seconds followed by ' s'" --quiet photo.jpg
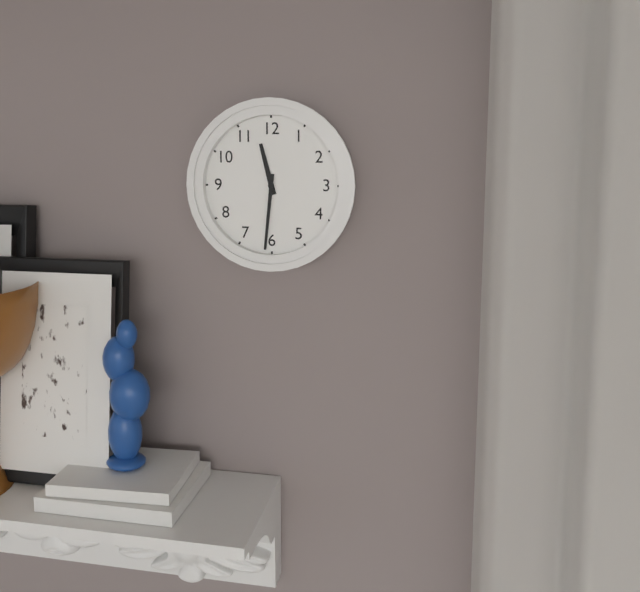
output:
11 h 31 min
